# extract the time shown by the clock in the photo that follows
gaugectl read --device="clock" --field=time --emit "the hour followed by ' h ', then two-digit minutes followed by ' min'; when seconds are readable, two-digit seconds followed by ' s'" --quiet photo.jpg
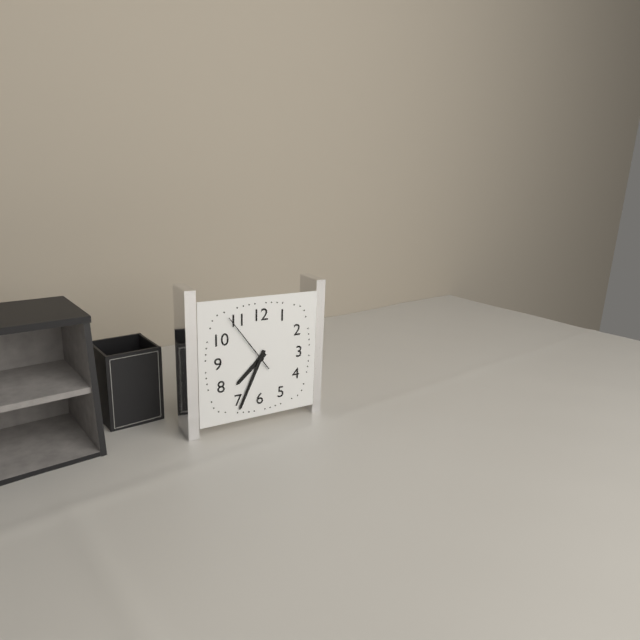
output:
7 h 34 min 54 s
